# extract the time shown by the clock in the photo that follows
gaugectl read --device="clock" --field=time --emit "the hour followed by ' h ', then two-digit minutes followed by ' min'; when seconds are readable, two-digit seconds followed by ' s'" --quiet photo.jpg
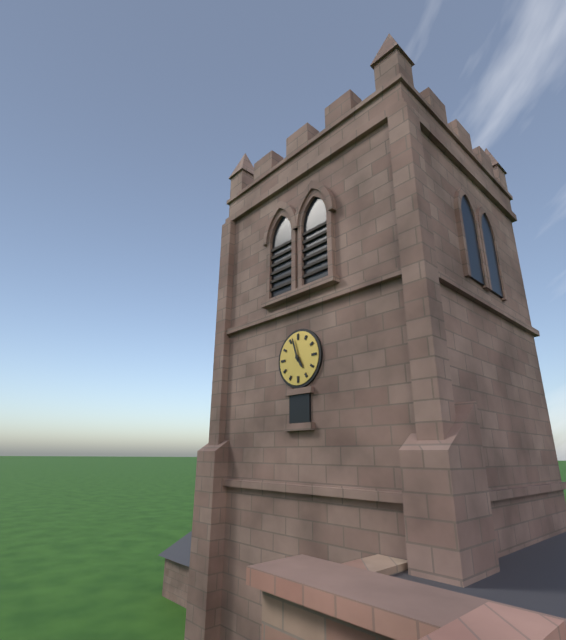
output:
4 h 57 min
